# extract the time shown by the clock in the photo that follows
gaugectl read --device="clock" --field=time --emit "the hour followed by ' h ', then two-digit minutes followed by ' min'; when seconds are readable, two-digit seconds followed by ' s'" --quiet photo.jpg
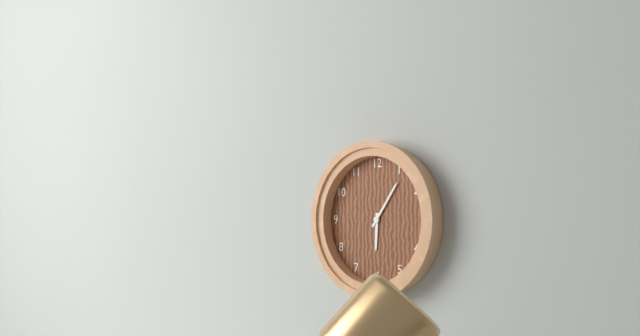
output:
6 h 06 min
